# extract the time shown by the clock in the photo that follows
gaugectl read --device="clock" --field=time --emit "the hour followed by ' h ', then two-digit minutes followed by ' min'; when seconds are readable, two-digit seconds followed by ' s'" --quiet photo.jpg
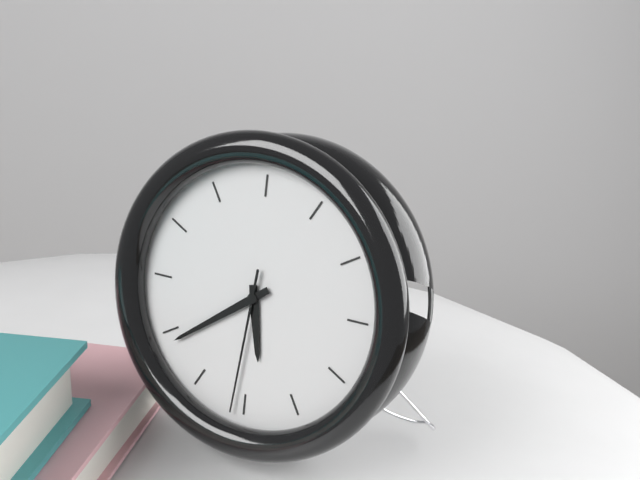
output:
5 h 39 min 31 s
